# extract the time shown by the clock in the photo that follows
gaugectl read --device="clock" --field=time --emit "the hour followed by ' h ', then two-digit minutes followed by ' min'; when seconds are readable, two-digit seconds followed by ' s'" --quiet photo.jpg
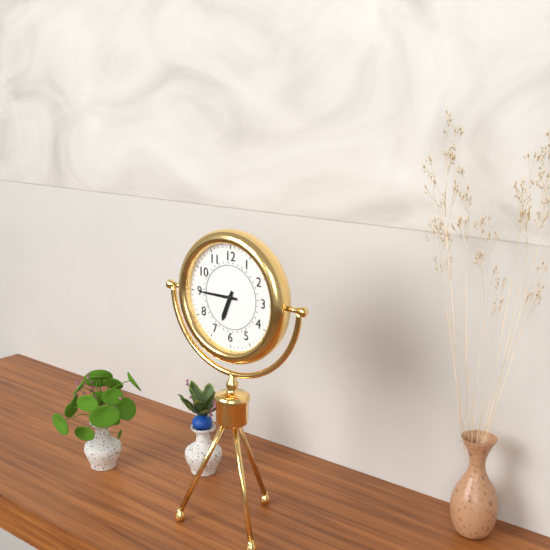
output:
6 h 45 min
